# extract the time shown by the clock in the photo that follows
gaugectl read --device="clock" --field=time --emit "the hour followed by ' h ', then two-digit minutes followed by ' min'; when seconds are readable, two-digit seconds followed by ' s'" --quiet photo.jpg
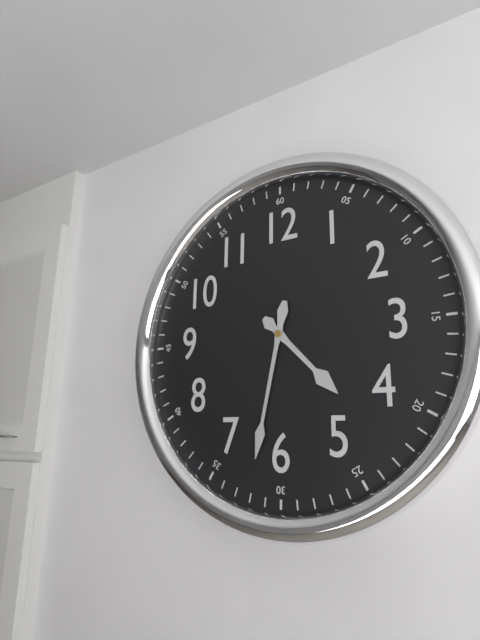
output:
4 h 32 min
